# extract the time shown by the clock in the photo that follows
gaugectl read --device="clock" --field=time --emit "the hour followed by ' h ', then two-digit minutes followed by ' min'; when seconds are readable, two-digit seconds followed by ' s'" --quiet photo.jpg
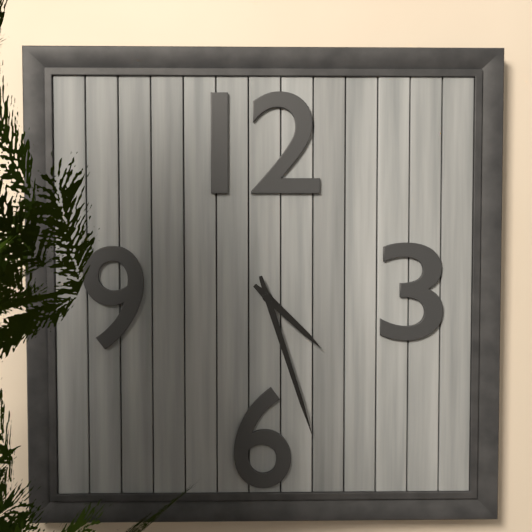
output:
4 h 27 min
